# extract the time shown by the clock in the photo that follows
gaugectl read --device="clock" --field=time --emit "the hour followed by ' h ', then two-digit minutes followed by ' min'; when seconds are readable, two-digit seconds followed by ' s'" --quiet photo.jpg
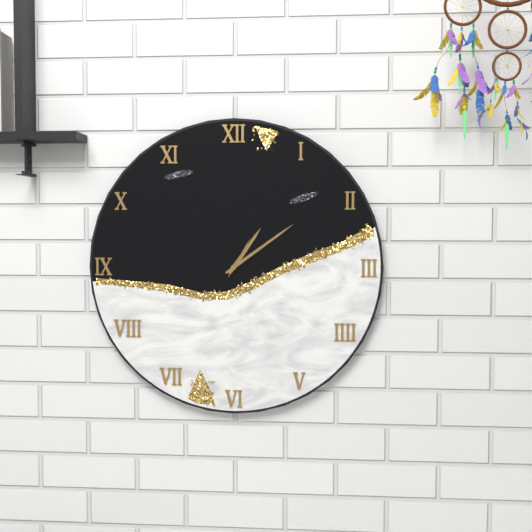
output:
1 h 09 min
